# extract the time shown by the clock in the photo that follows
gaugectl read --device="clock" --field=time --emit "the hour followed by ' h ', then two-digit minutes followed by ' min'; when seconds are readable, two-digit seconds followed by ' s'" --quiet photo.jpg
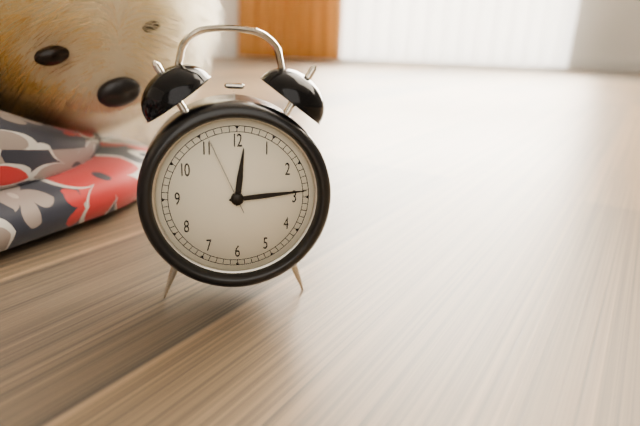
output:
12 h 14 min 56 s
